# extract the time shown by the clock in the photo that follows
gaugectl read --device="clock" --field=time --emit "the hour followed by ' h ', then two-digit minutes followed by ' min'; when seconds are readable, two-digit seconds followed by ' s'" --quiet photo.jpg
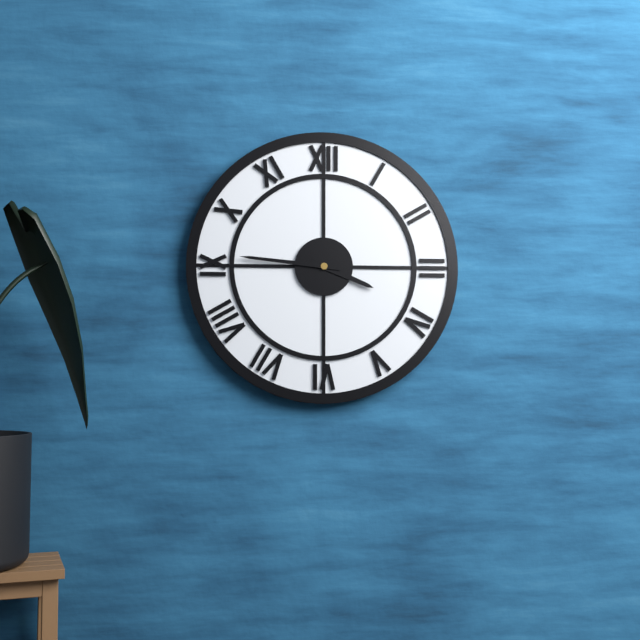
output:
3 h 46 min
